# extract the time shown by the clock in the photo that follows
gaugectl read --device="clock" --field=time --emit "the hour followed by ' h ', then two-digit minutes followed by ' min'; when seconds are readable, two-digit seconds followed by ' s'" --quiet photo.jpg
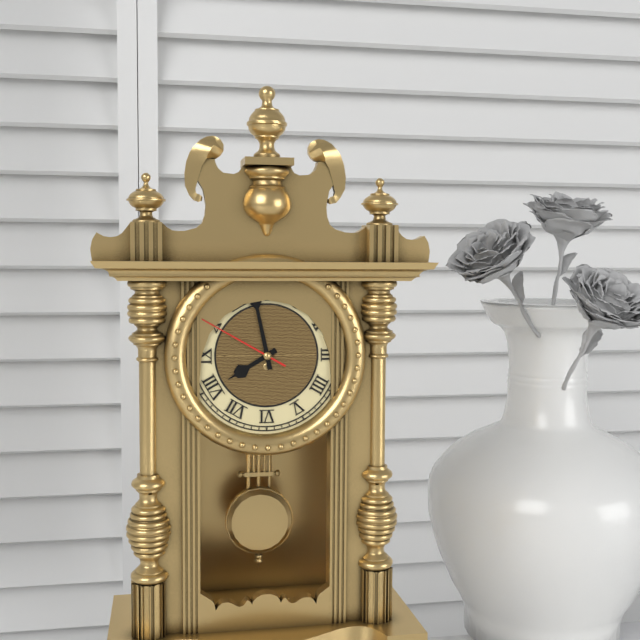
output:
7 h 58 min 50 s
